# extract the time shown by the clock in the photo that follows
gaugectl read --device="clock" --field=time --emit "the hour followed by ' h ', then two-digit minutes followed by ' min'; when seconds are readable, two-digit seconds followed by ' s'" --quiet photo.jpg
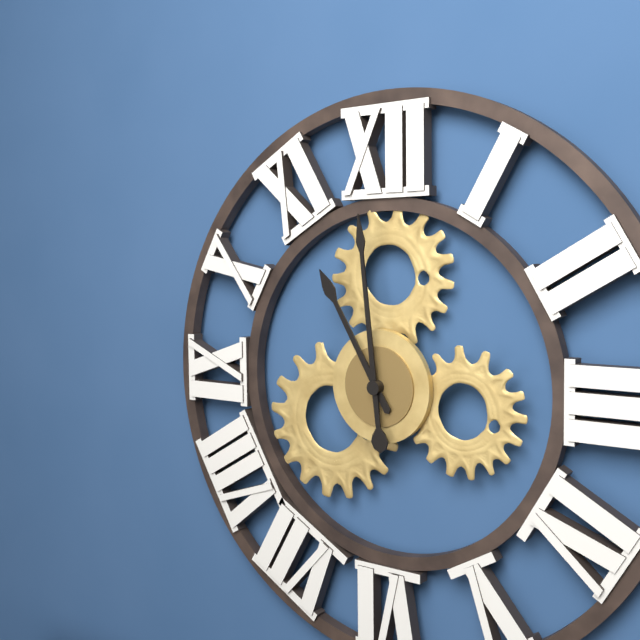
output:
10 h 59 min
